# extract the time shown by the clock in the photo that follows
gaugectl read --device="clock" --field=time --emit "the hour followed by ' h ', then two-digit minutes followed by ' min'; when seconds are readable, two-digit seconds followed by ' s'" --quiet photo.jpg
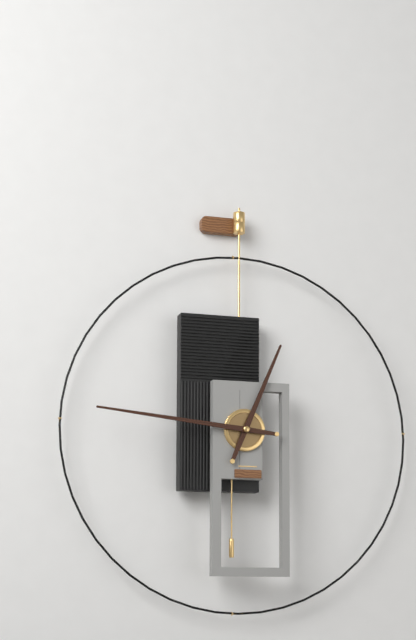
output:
12 h 46 min
